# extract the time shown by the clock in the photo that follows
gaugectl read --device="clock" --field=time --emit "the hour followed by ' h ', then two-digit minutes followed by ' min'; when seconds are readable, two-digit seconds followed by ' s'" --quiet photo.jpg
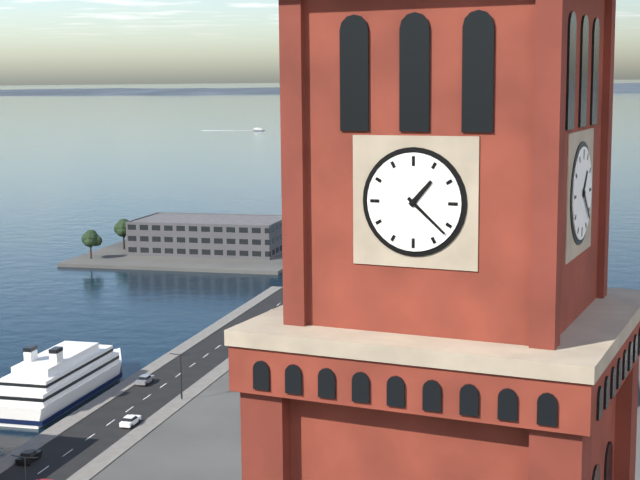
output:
1 h 22 min
